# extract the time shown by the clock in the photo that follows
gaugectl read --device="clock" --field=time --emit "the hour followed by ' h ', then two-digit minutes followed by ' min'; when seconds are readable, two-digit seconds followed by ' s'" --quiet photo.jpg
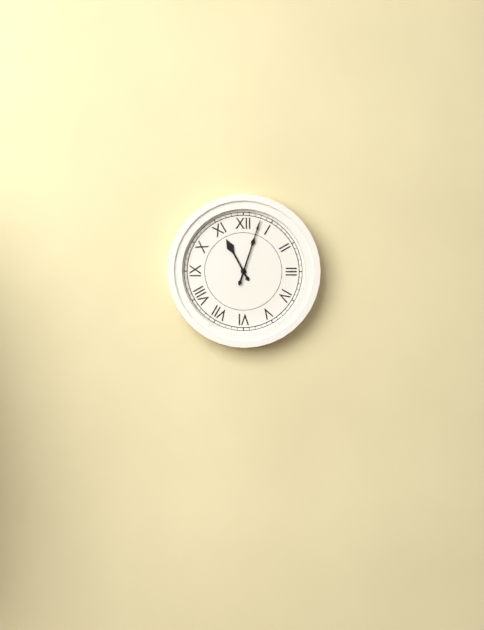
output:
11 h 03 min
